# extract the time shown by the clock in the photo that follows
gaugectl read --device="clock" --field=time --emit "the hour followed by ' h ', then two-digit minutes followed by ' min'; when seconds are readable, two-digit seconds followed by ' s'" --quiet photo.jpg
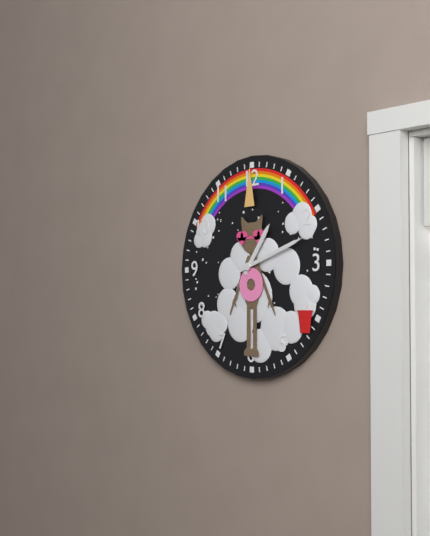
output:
1 h 12 min
